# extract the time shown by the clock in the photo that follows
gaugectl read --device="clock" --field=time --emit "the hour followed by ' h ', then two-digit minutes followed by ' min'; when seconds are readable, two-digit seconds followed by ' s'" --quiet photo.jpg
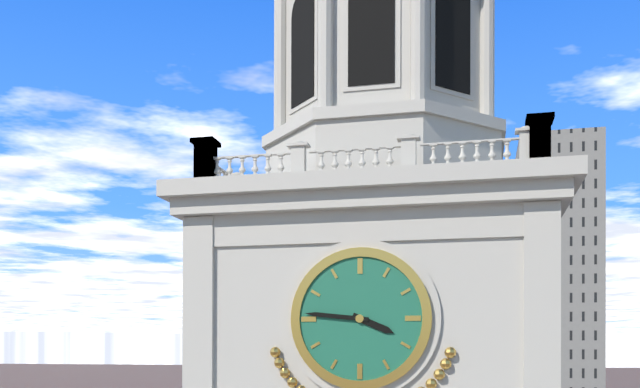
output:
3 h 46 min
